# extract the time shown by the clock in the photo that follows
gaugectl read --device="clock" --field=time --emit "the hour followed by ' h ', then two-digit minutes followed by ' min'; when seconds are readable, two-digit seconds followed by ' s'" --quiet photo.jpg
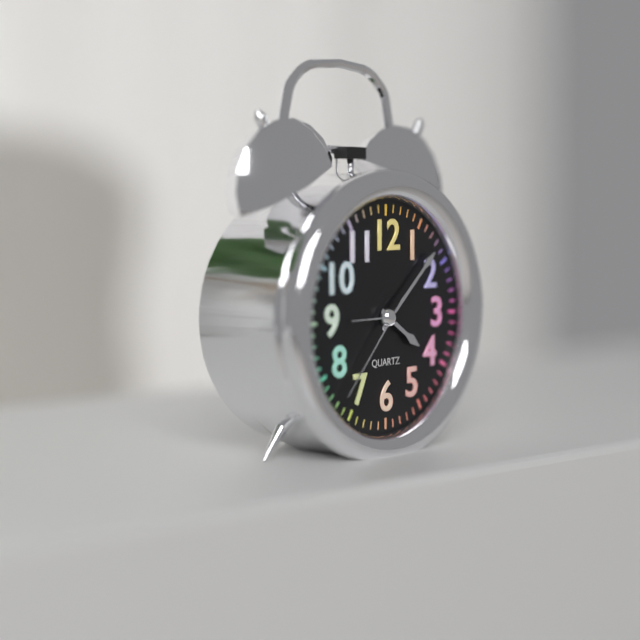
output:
4 h 08 min 37 s
